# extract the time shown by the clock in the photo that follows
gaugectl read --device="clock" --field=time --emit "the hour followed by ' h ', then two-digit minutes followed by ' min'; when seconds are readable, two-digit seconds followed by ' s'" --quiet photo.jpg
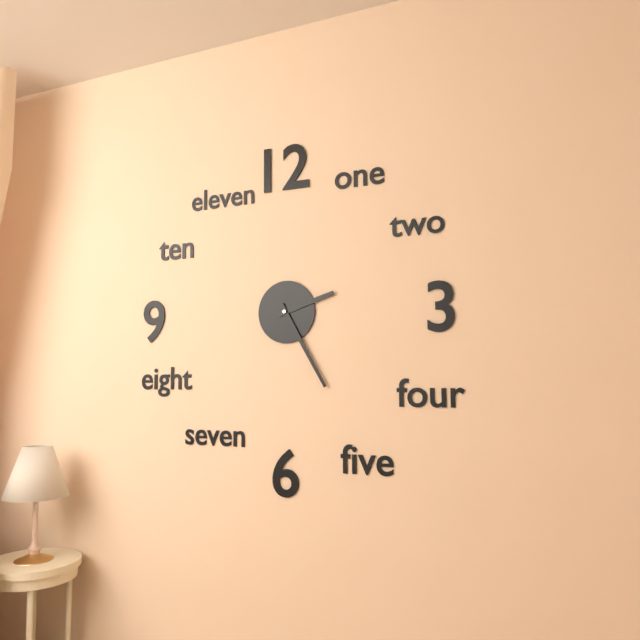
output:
2 h 25 min
